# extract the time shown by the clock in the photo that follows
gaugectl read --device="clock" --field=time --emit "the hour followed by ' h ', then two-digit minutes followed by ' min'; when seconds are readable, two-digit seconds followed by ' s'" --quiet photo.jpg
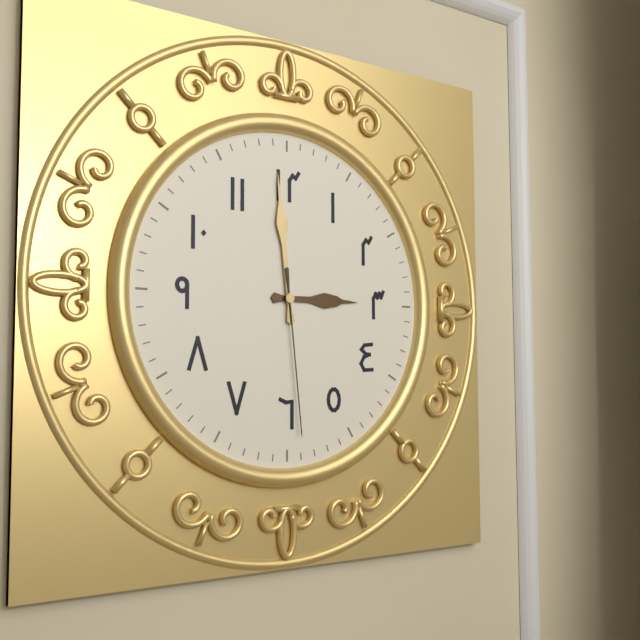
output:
2 h 59 min 29 s
